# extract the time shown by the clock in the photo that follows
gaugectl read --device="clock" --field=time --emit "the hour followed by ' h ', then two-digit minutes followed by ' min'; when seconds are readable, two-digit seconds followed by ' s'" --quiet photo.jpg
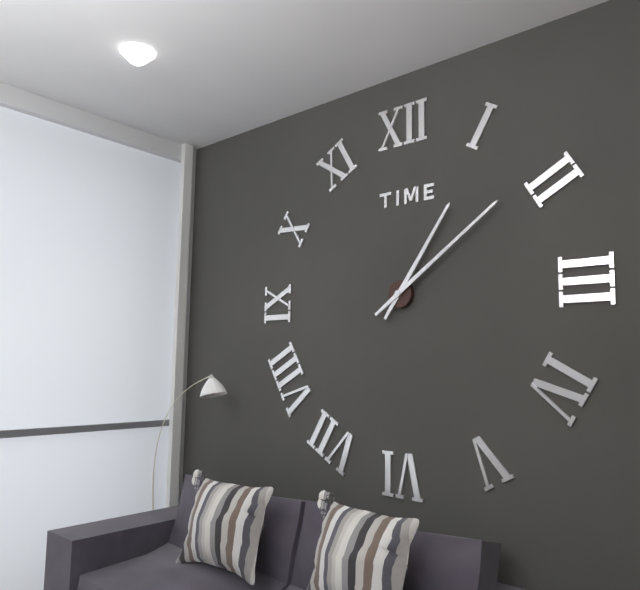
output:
1 h 09 min
